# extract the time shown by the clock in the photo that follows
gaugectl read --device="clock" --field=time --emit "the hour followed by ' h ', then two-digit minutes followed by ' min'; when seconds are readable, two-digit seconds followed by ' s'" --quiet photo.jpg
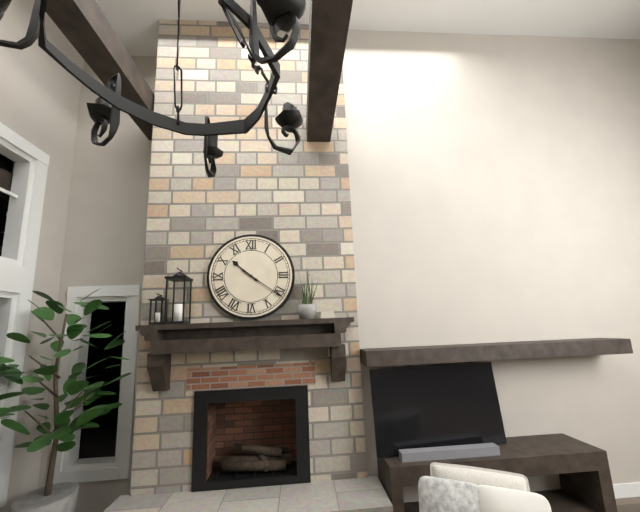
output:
10 h 21 min
